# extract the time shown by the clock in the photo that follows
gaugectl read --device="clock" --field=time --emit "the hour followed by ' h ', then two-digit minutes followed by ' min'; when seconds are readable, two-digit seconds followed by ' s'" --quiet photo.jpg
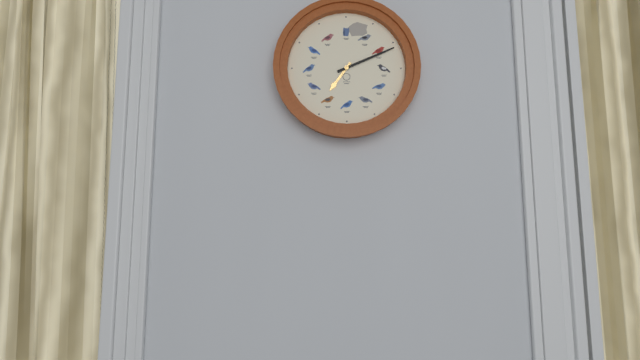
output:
7 h 11 min
